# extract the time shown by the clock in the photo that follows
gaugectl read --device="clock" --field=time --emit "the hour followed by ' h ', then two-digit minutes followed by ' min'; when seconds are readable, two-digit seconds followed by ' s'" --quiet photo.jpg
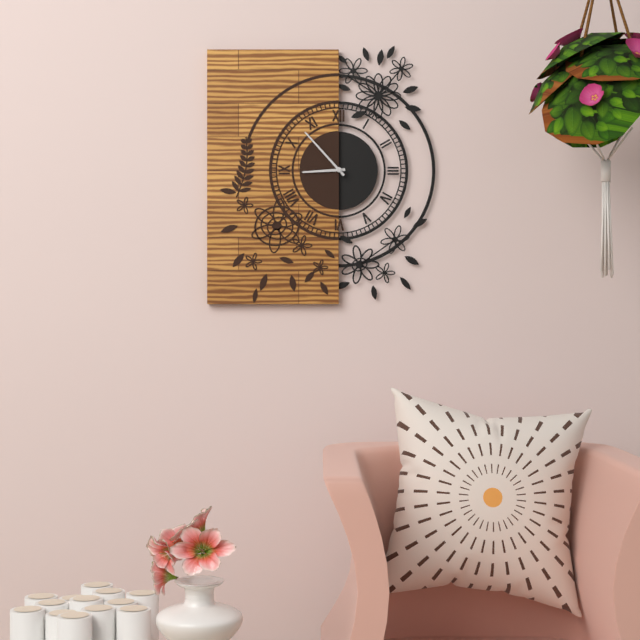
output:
8 h 53 min
